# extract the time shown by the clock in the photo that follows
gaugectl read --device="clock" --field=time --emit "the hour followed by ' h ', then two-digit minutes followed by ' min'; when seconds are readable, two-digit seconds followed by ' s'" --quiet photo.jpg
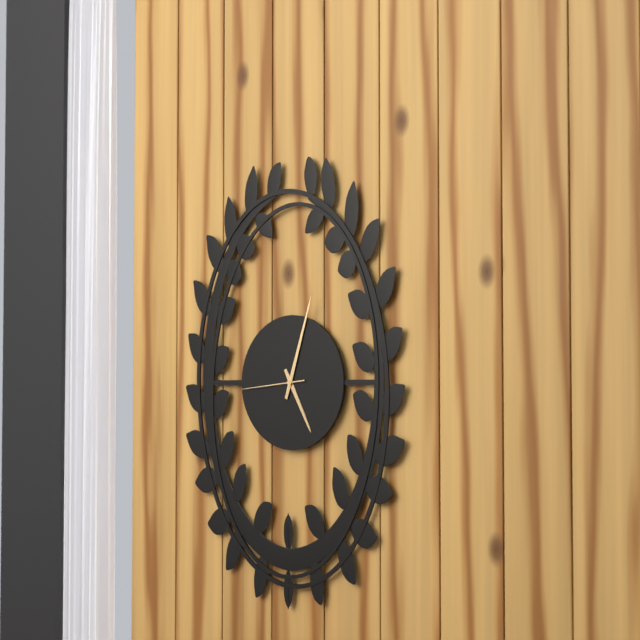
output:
5 h 03 min 44 s
